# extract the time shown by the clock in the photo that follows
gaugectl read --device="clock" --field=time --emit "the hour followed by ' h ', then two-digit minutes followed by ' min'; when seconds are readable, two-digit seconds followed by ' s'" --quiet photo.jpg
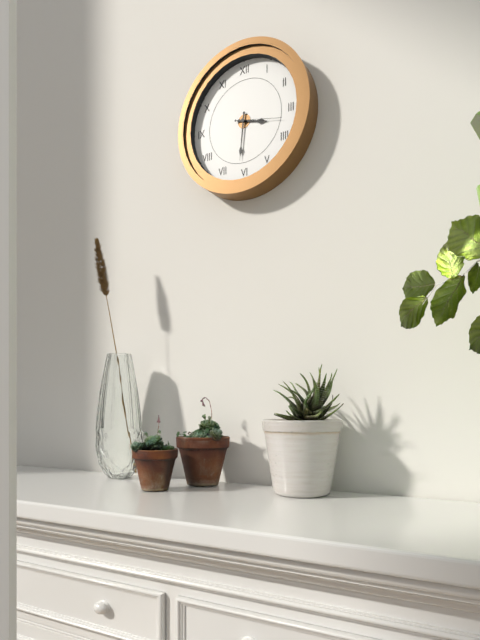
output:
3 h 31 min
